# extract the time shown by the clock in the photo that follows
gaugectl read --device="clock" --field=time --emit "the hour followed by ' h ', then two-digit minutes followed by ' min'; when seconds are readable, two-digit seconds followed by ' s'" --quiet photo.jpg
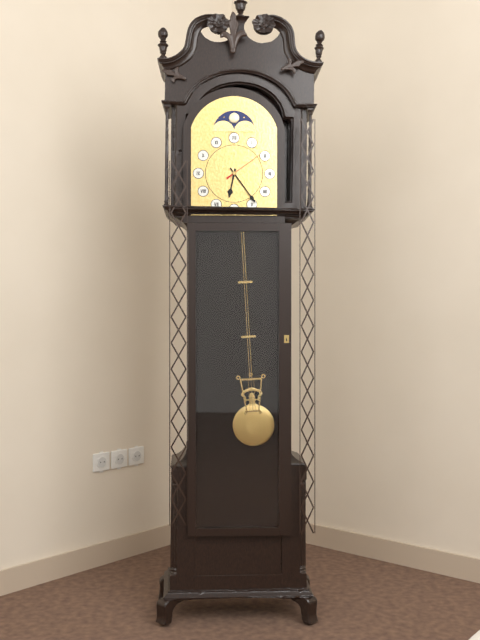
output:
6 h 24 min
